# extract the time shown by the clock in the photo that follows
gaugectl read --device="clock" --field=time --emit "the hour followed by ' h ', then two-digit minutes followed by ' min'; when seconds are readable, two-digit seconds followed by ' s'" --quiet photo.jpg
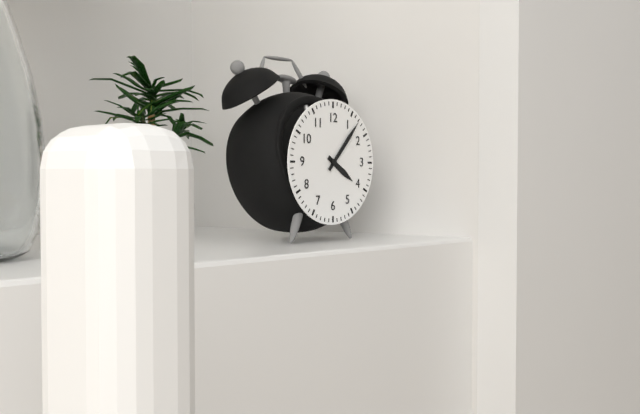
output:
4 h 07 min
